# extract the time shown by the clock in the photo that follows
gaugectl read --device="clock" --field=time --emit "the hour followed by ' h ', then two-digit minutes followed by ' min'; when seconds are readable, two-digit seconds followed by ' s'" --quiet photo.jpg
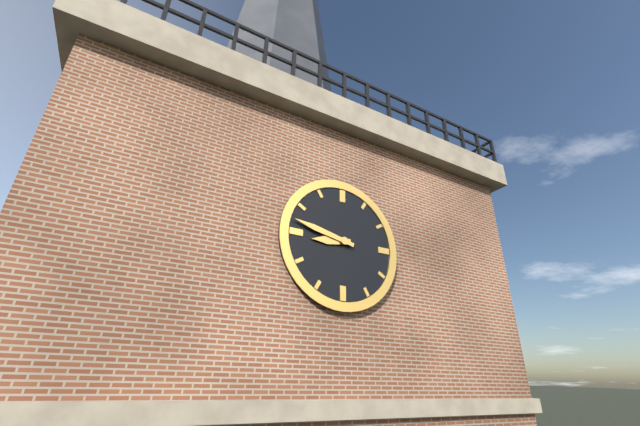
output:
8 h 47 min
